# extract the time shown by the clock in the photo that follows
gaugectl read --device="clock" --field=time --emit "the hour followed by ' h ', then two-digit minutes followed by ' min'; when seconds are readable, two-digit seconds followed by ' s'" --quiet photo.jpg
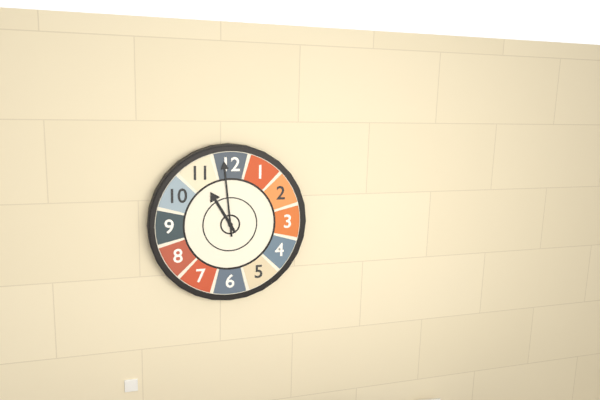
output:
10 h 59 min
